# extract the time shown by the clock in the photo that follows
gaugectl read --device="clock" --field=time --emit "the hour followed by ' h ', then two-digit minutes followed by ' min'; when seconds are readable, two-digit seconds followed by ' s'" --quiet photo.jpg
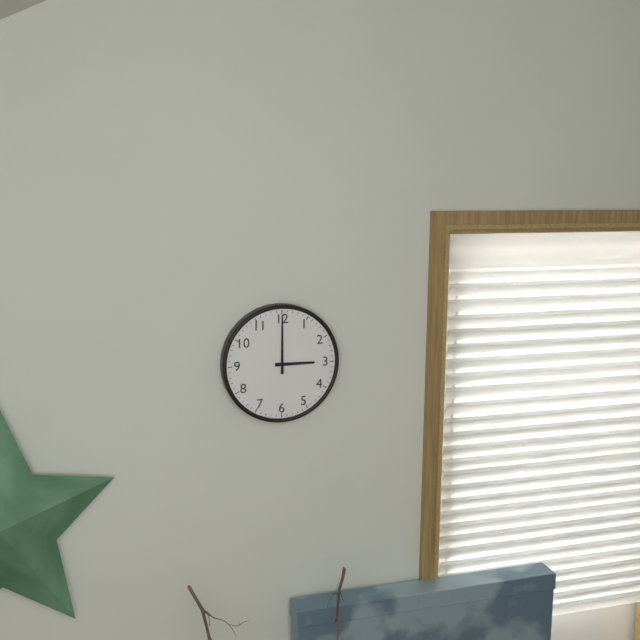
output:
3 h 00 min
